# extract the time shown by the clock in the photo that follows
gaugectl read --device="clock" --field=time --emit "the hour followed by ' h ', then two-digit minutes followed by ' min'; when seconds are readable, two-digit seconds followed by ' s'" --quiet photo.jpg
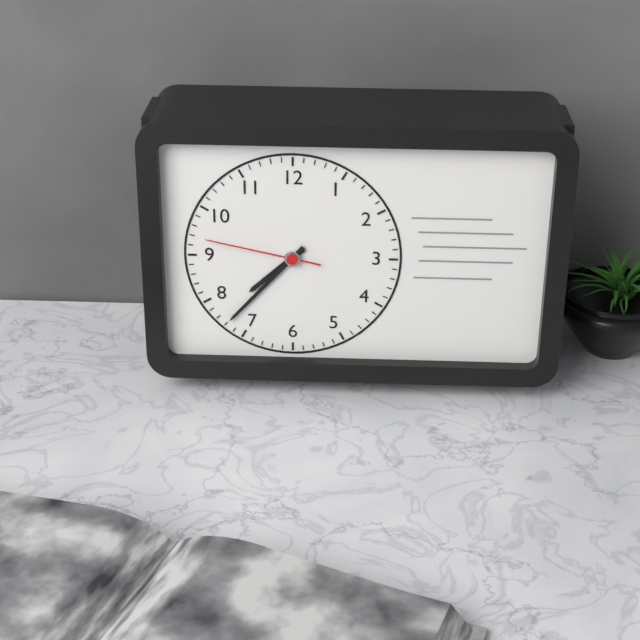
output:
7 h 37 min 47 s
